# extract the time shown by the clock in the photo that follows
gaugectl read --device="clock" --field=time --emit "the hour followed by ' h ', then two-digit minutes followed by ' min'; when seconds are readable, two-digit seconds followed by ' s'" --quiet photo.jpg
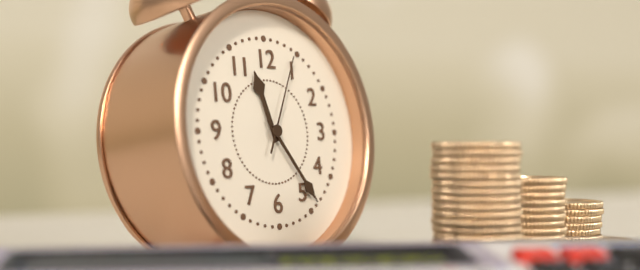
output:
11 h 24 min 04 s
